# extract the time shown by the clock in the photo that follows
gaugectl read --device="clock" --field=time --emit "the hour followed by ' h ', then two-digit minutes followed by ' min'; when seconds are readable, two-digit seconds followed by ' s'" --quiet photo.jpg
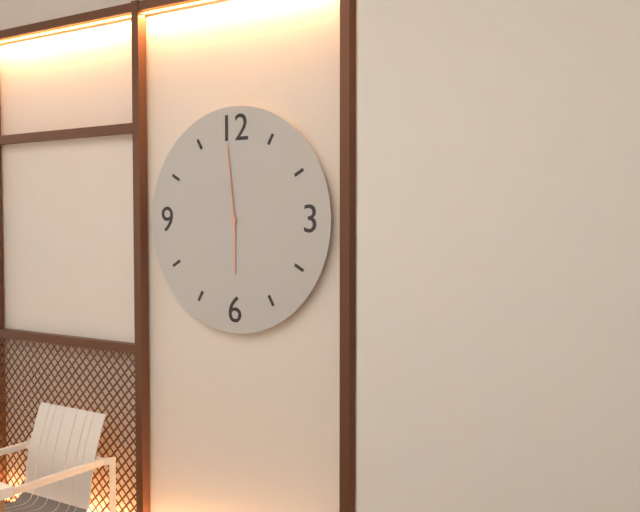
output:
5 h 59 min
